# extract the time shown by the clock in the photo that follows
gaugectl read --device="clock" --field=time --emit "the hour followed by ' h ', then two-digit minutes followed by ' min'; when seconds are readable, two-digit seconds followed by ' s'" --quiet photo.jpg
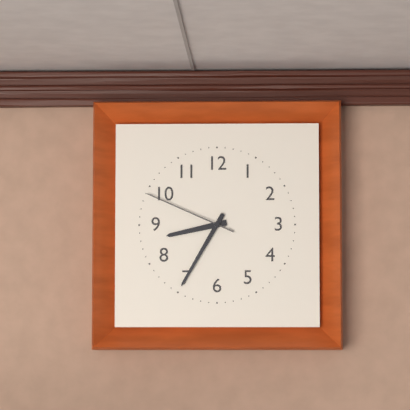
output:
8 h 35 min 49 s
